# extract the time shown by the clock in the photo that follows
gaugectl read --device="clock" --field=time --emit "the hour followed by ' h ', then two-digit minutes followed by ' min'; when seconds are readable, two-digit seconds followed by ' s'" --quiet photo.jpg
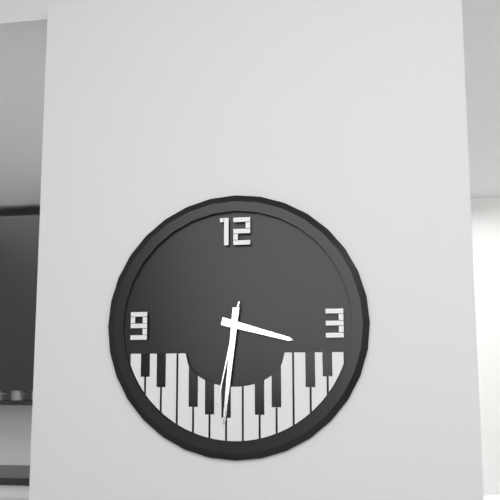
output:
3 h 31 min 32 s
